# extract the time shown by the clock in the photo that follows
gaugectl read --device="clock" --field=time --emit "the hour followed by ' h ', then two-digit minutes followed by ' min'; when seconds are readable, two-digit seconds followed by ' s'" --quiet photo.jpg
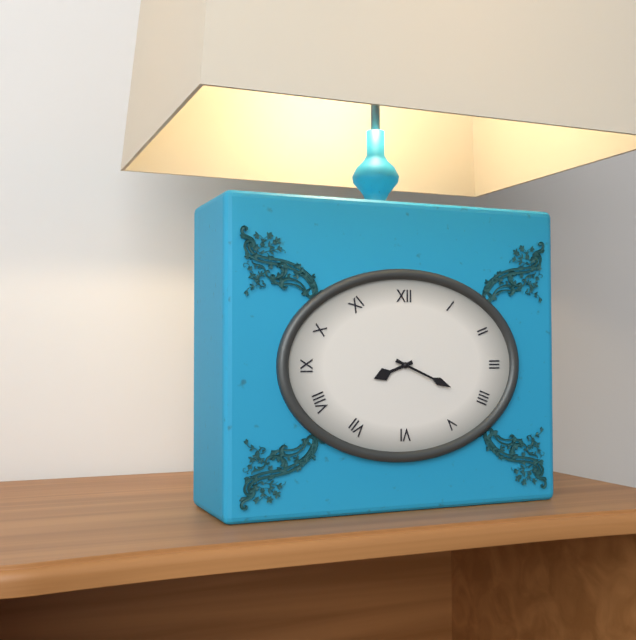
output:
8 h 19 min
